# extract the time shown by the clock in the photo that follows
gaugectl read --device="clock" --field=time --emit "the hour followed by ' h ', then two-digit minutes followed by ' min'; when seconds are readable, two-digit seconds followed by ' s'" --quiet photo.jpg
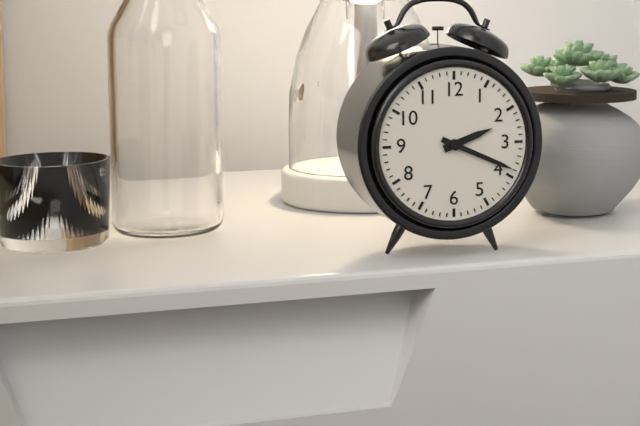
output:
2 h 19 min
